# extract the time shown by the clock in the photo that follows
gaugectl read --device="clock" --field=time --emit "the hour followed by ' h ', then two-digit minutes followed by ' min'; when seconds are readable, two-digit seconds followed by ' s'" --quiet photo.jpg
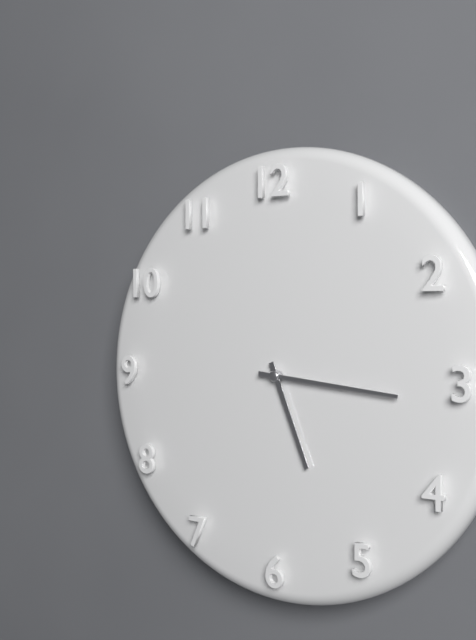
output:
5 h 16 min
